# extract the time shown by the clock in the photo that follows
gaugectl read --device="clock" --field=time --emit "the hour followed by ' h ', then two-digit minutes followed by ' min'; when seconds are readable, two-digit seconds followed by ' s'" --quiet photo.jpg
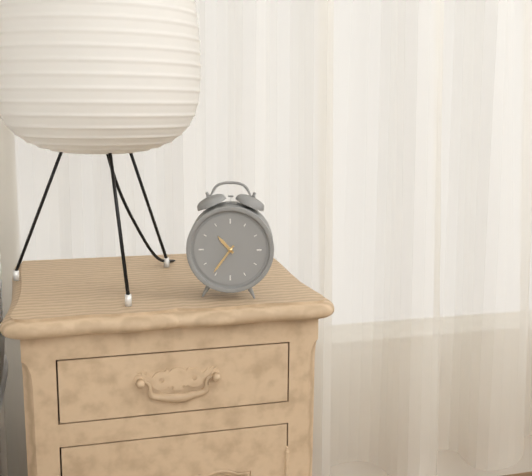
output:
10 h 36 min
